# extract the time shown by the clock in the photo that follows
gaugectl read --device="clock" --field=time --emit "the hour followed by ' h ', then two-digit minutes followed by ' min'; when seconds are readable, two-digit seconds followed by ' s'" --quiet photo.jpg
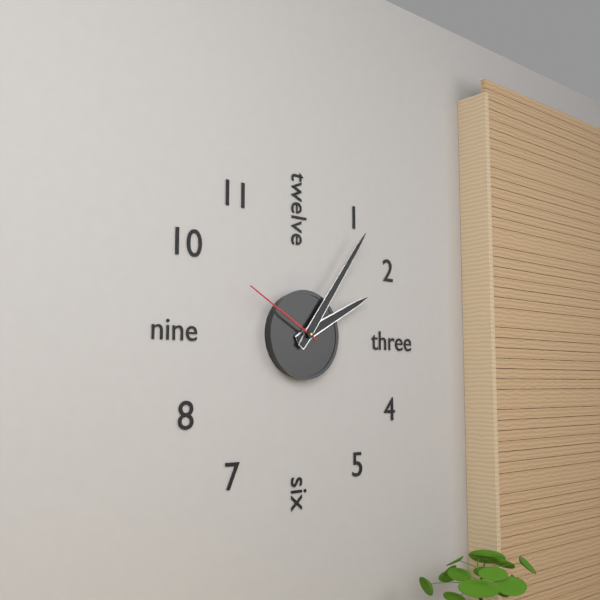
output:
2 h 06 min 50 s
